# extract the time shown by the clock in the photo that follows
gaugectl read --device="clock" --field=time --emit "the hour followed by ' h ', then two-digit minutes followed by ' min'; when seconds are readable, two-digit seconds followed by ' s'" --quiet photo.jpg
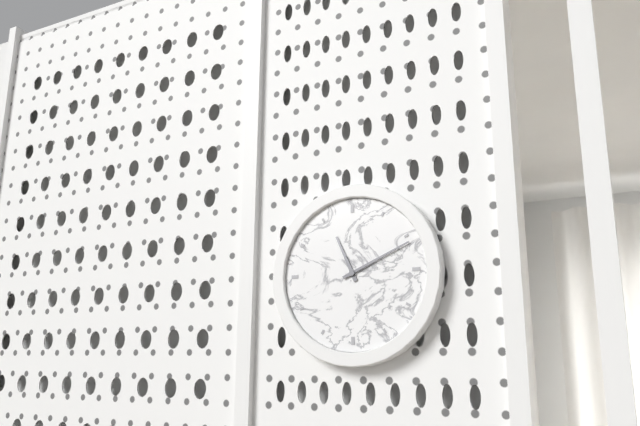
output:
11 h 11 min
